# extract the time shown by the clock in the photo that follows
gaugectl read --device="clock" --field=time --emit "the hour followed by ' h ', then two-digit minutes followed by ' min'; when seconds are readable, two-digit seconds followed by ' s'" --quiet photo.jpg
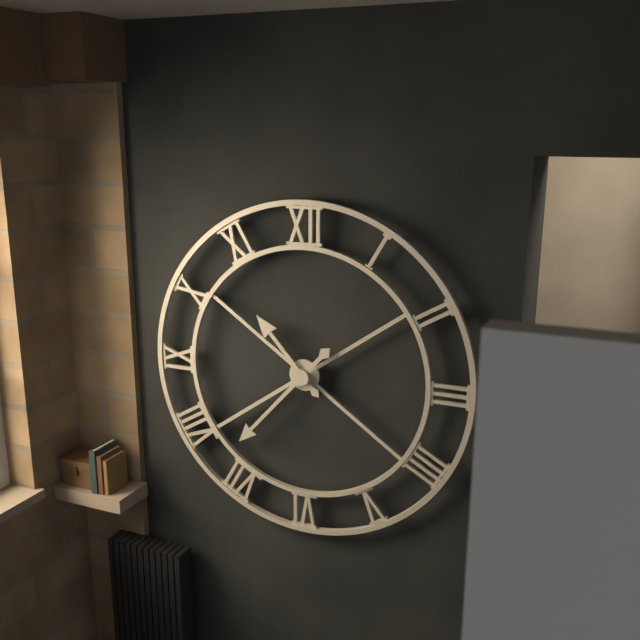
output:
10 h 37 min
